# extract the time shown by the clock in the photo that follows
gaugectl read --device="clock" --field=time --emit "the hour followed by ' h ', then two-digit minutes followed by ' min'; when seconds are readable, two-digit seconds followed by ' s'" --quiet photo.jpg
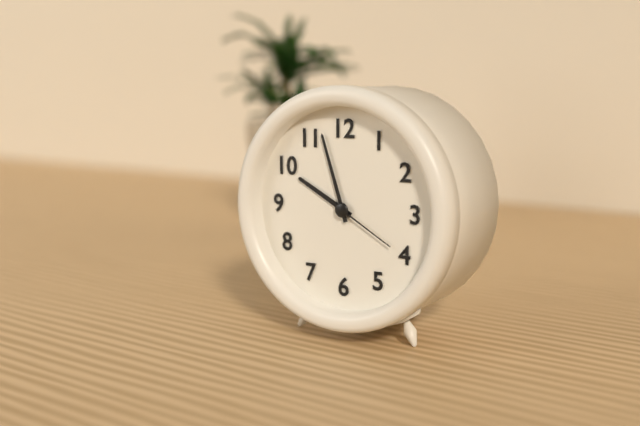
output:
9 h 57 min 20 s
